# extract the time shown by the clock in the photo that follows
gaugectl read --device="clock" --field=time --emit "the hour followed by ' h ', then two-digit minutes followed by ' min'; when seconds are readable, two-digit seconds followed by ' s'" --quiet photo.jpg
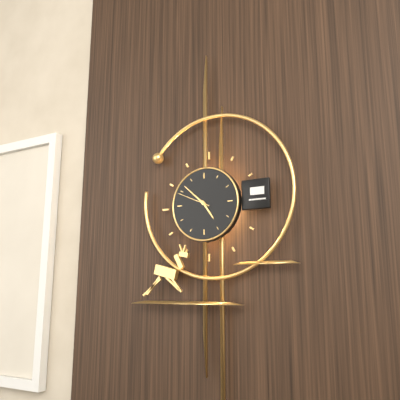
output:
4 h 52 min
